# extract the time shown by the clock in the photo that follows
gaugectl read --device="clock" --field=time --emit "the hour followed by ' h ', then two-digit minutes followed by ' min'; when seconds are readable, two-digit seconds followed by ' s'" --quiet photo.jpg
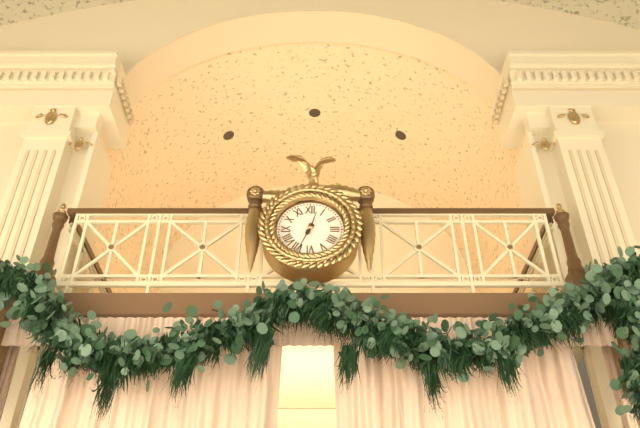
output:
12 h 34 min
